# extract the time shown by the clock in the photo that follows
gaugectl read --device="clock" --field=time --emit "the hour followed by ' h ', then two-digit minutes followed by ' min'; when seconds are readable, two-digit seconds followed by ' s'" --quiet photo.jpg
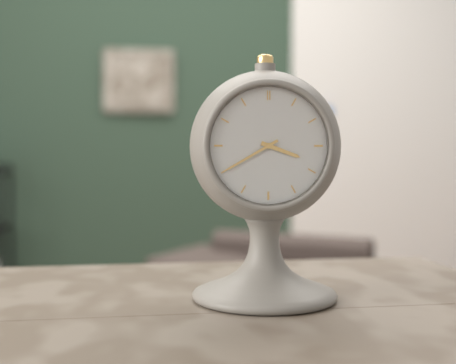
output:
3 h 40 min
